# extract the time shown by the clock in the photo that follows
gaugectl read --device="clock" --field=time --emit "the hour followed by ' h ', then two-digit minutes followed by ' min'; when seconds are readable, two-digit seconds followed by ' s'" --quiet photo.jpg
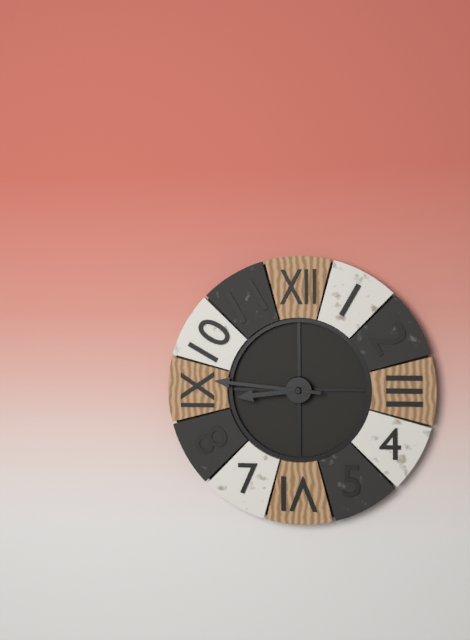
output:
8 h 46 min
